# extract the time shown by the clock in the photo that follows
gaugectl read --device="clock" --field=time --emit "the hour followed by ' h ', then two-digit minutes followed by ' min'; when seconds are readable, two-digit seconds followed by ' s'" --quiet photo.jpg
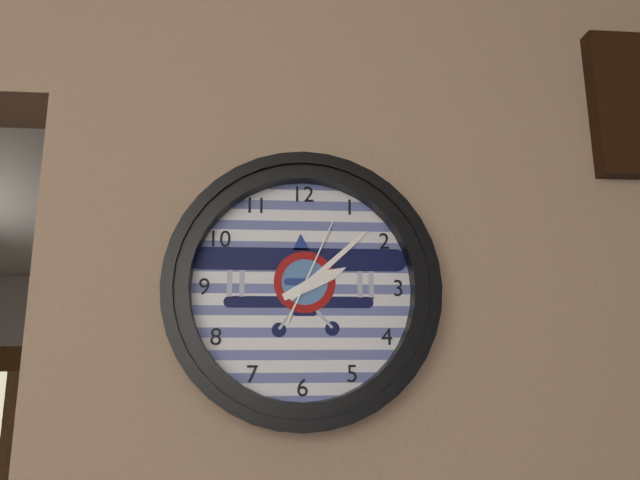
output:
2 h 08 min 04 s
